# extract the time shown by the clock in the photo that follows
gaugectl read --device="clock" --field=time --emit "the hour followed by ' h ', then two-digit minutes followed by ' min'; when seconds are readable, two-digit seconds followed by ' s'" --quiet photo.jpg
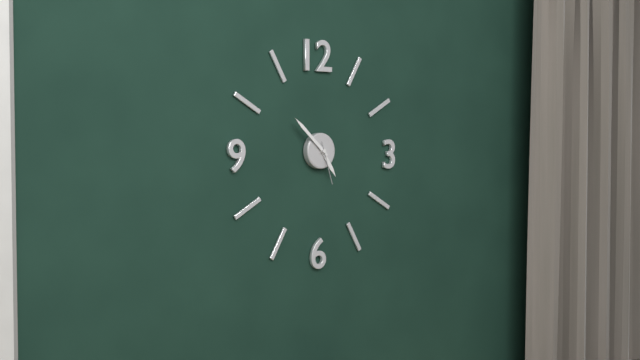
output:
4 h 52 min
